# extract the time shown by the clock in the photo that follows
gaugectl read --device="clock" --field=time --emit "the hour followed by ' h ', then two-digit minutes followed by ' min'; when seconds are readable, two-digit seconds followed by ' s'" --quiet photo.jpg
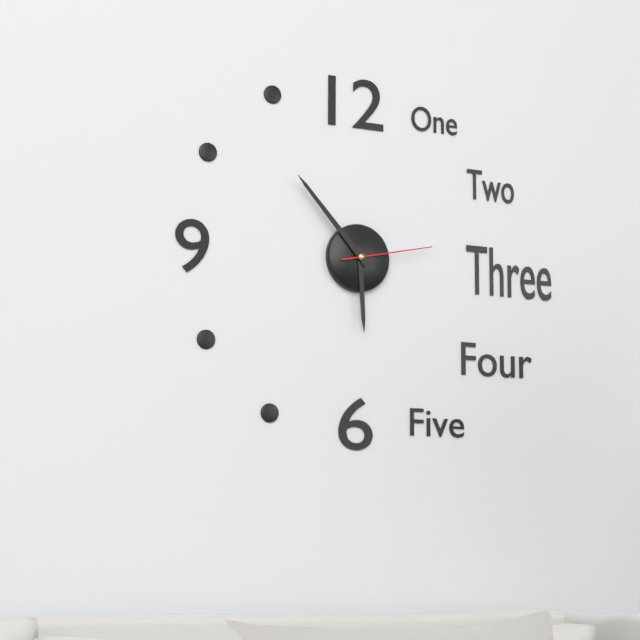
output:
5 h 53 min 13 s
